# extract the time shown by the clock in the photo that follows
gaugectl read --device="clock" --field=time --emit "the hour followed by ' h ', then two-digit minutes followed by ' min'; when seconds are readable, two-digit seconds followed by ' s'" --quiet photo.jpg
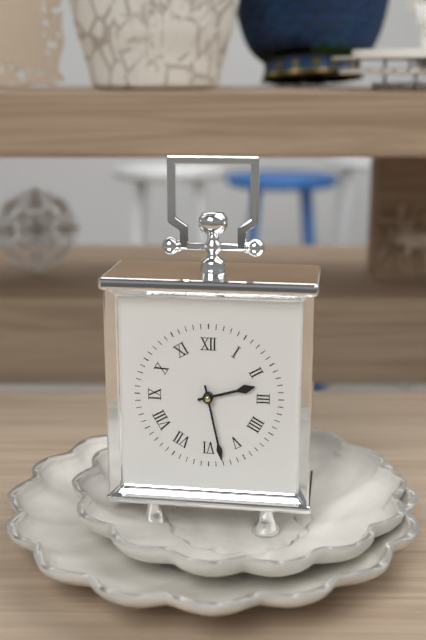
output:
2 h 28 min
